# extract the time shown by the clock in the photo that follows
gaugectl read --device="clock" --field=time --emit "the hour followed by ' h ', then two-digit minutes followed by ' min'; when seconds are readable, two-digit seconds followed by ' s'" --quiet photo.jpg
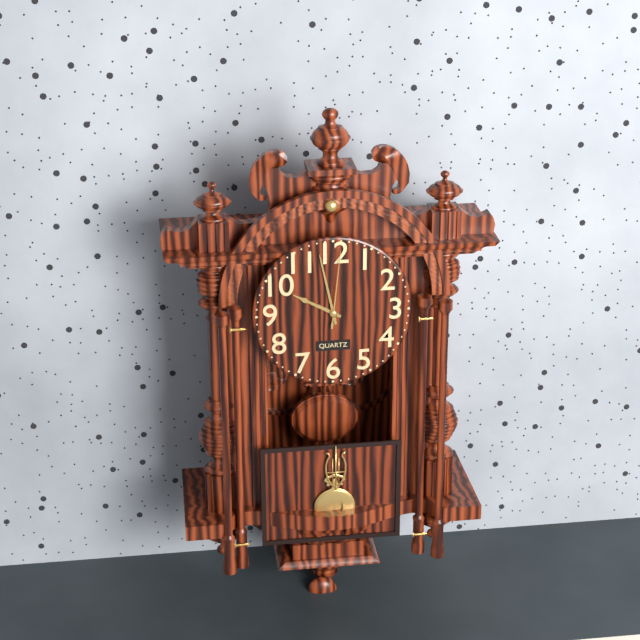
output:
9 h 58 min 01 s
